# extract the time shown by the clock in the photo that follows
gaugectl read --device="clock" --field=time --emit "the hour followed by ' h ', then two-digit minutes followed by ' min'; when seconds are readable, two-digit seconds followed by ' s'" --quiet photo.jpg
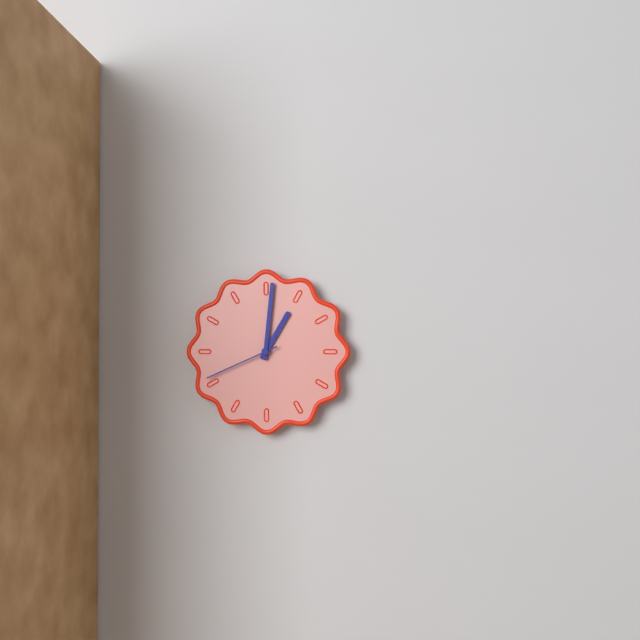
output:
1 h 01 min 41 s
